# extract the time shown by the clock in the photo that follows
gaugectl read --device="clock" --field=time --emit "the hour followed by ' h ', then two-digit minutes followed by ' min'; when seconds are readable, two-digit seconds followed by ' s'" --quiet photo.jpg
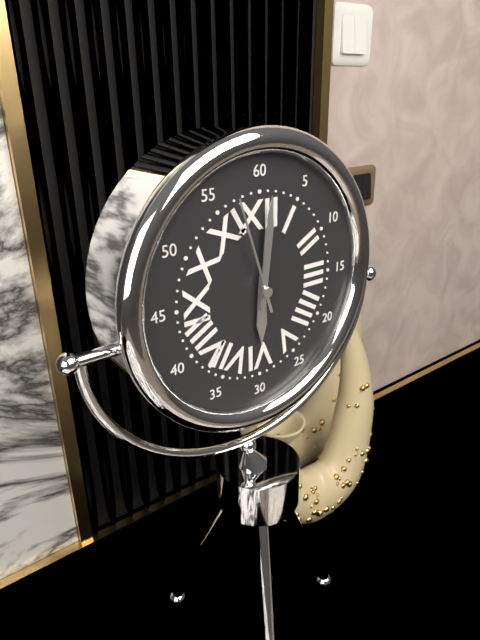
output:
6 h 01 min 57 s
